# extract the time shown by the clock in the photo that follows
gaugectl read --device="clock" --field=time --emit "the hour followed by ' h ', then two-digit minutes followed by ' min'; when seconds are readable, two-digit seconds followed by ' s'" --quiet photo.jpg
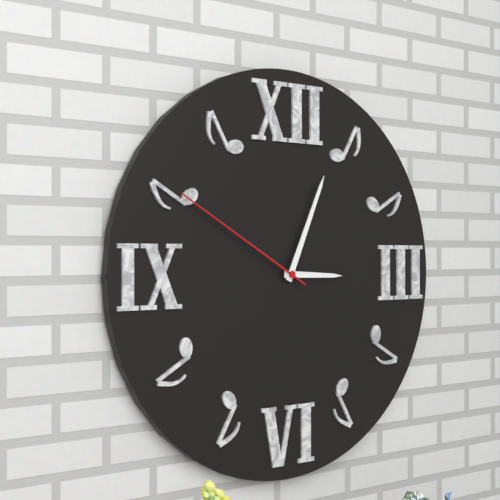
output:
3 h 04 min 50 s
